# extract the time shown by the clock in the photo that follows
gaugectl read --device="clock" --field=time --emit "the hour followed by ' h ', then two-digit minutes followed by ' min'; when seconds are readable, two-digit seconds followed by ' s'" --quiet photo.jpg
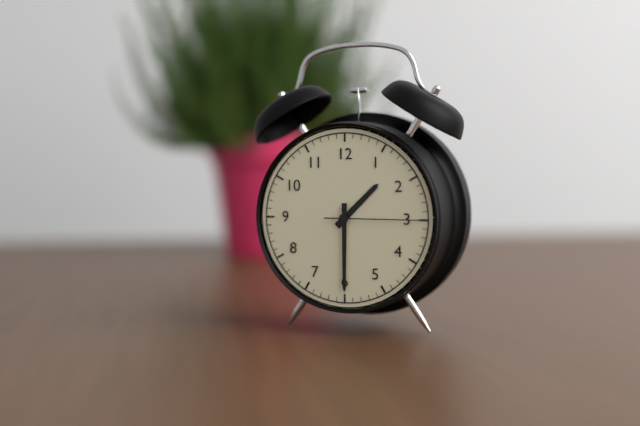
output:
1 h 30 min 15 s
